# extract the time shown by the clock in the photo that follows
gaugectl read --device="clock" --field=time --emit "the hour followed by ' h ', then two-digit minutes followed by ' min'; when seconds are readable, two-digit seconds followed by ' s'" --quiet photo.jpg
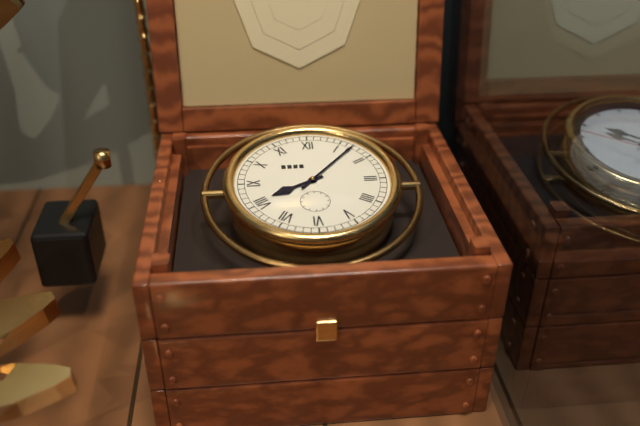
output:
8 h 07 min
